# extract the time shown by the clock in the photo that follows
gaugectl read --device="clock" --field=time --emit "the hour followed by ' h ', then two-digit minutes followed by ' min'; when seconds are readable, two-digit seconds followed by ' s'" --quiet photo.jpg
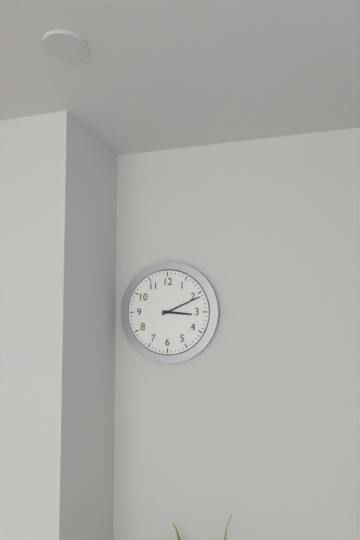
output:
3 h 11 min
